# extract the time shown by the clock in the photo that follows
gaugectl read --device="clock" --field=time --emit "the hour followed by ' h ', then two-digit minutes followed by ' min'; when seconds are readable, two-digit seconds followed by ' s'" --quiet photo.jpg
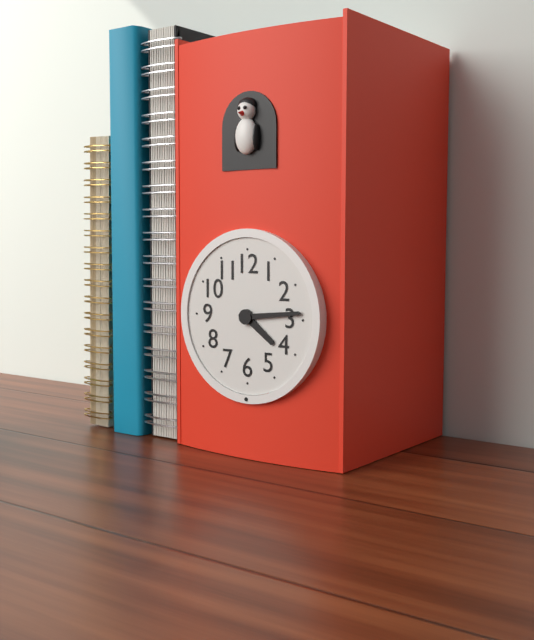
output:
4 h 14 min
